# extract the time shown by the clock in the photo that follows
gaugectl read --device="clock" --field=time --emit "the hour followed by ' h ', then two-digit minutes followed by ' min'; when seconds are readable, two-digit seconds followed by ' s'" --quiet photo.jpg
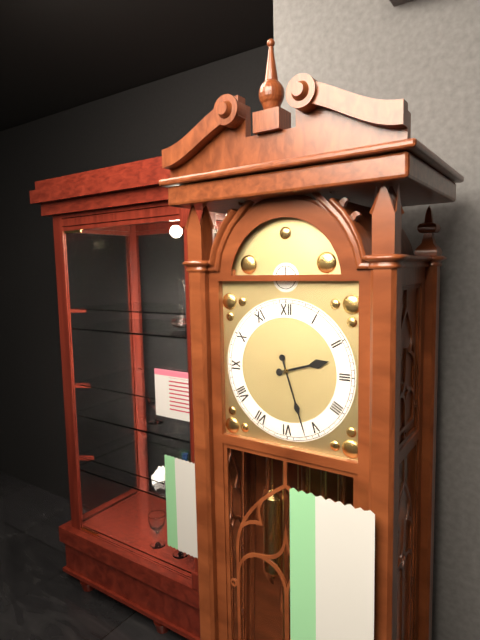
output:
2 h 27 min
